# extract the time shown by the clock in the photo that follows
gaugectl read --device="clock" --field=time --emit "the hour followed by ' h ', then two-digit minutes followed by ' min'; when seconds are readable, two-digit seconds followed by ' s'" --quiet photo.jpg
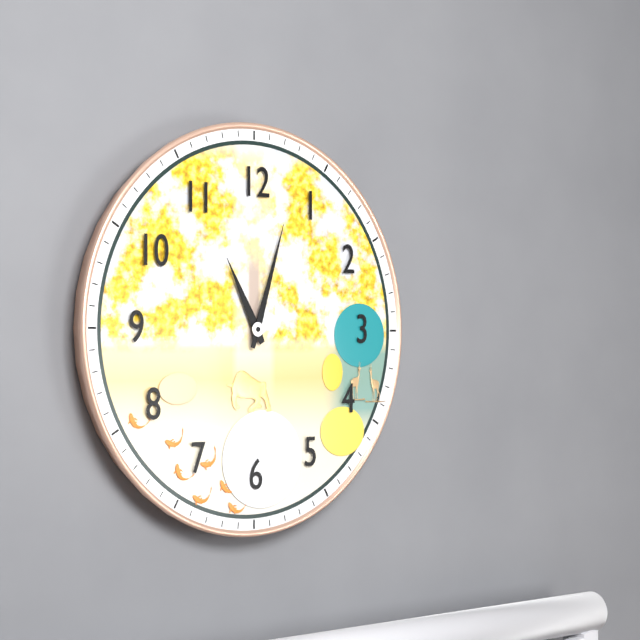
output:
11 h 03 min
